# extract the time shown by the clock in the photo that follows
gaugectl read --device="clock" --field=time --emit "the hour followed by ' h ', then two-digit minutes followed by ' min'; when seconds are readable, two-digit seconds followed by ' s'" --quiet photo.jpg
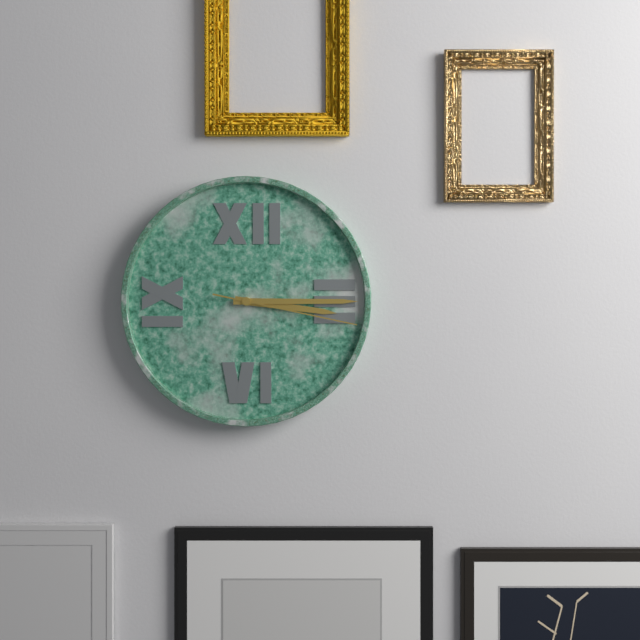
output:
3 h 15 min 17 s
